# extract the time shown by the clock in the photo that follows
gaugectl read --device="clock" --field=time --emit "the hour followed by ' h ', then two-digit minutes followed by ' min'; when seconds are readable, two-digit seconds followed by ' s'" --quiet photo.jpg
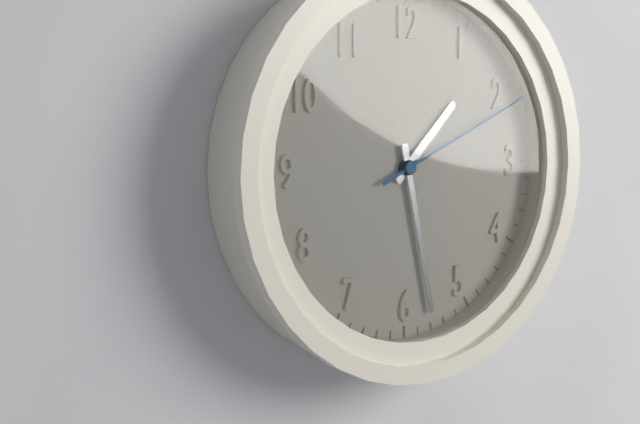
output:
1 h 28 min 11 s
